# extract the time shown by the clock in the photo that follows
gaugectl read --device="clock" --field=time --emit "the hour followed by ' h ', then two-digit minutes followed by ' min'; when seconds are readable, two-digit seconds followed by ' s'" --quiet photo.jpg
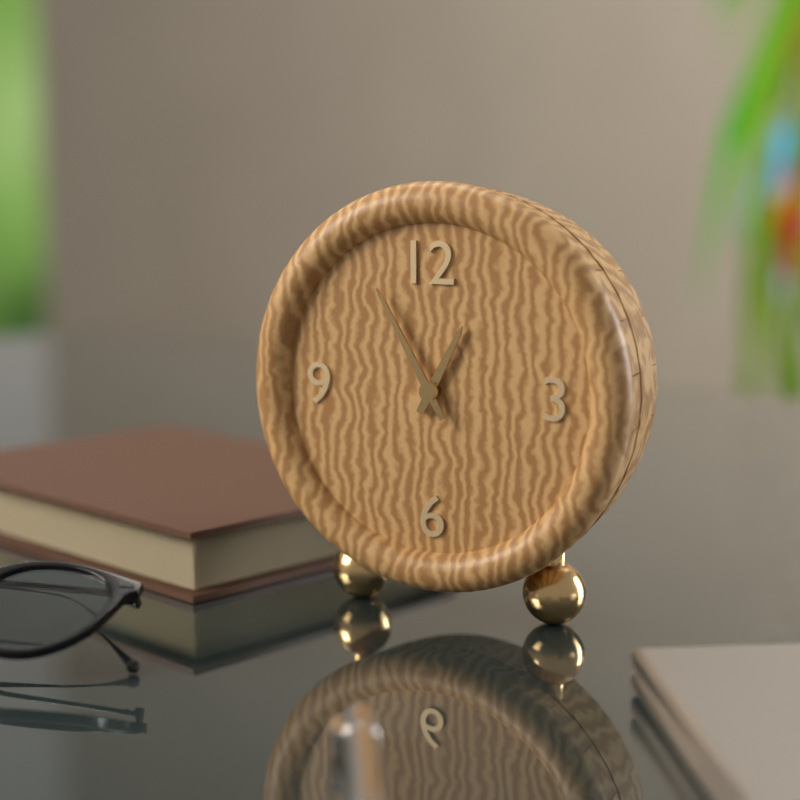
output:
12 h 55 min
